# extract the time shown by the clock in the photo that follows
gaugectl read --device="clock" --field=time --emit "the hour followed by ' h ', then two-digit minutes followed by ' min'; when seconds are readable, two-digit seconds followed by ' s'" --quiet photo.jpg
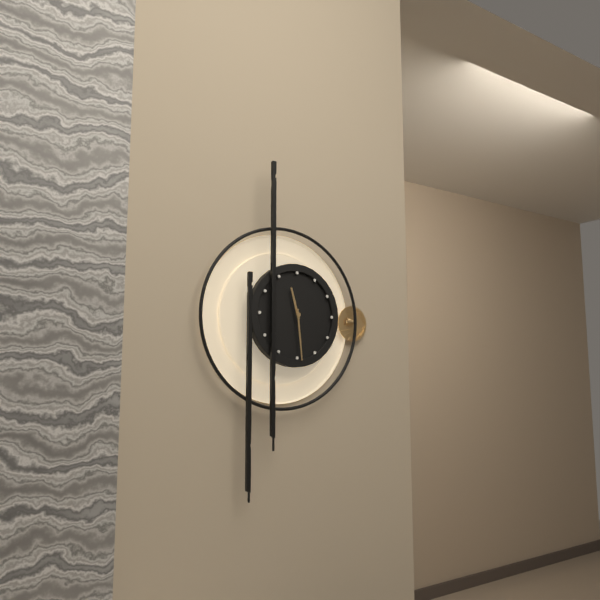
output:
11 h 29 min
